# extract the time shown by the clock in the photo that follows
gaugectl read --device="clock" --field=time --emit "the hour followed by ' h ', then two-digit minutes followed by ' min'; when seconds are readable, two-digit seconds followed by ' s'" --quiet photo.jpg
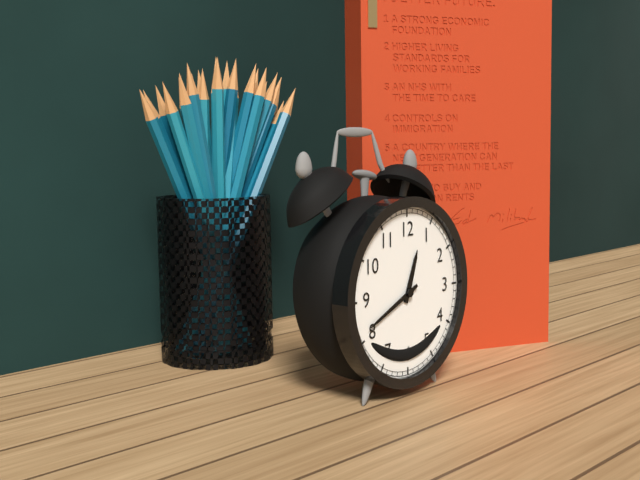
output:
12 h 41 min
